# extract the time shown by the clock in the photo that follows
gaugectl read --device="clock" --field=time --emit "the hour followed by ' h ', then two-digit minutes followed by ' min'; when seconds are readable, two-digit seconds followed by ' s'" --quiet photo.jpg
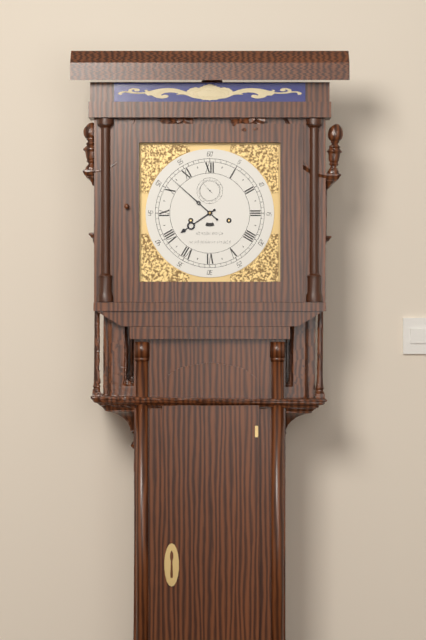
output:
7 h 52 min
